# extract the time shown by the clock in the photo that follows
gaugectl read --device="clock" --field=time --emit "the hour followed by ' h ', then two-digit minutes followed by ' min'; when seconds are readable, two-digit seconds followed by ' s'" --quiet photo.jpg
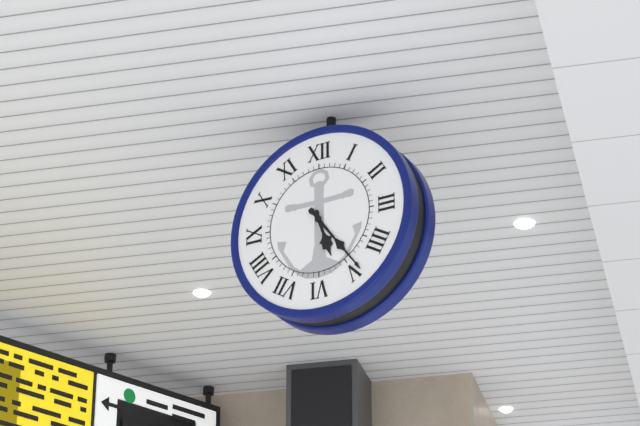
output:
5 h 24 min
